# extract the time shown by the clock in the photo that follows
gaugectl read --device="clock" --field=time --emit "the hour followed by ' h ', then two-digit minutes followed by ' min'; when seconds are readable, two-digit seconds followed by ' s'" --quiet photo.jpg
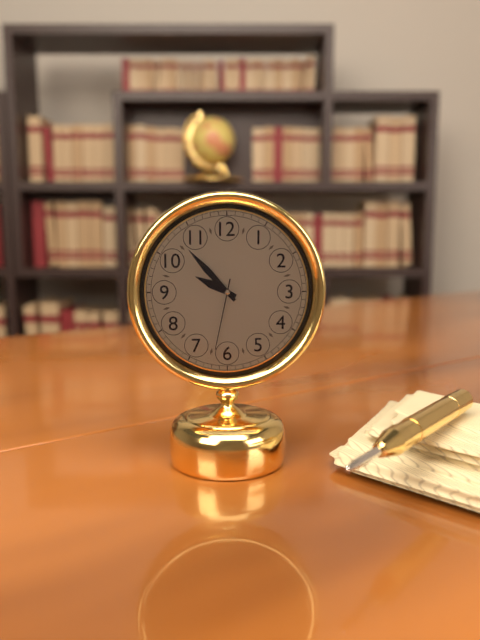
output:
9 h 53 min 32 s
